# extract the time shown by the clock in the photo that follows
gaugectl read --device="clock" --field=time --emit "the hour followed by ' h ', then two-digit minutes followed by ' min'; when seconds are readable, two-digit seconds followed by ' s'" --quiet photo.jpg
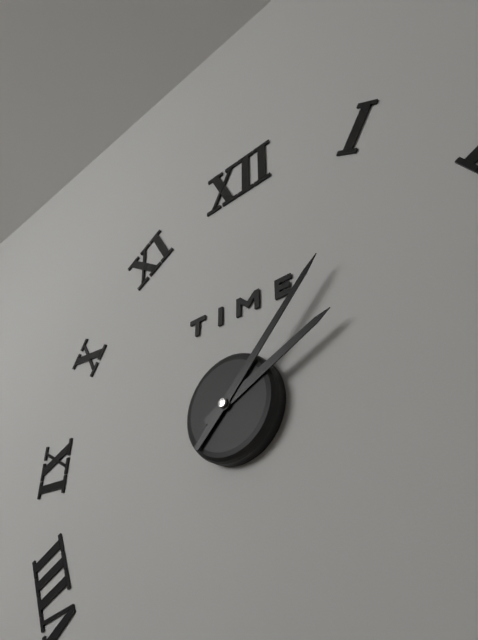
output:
2 h 07 min
